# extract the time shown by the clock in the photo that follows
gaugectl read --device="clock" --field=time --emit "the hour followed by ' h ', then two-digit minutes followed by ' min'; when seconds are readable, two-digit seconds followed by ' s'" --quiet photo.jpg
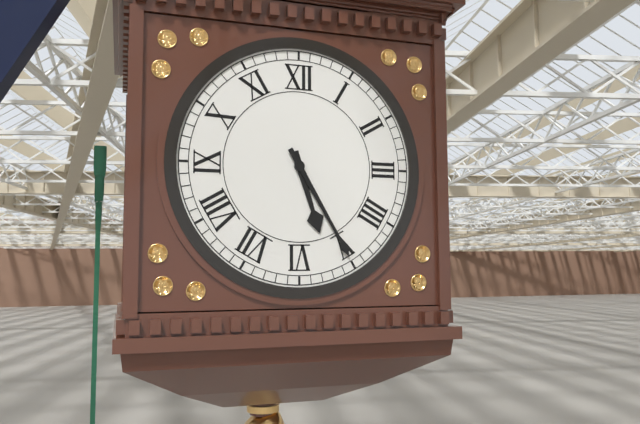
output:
5 h 25 min
